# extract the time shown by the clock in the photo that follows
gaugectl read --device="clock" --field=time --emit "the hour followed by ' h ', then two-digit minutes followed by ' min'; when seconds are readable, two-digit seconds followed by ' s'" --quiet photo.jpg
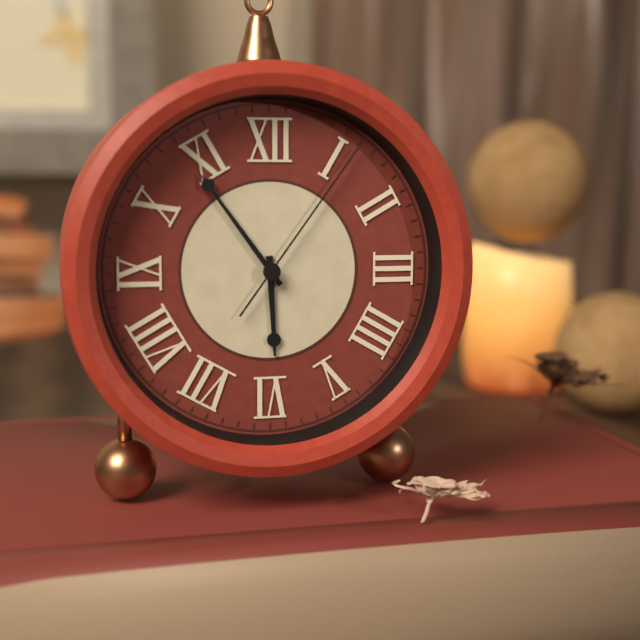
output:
5 h 54 min 06 s
